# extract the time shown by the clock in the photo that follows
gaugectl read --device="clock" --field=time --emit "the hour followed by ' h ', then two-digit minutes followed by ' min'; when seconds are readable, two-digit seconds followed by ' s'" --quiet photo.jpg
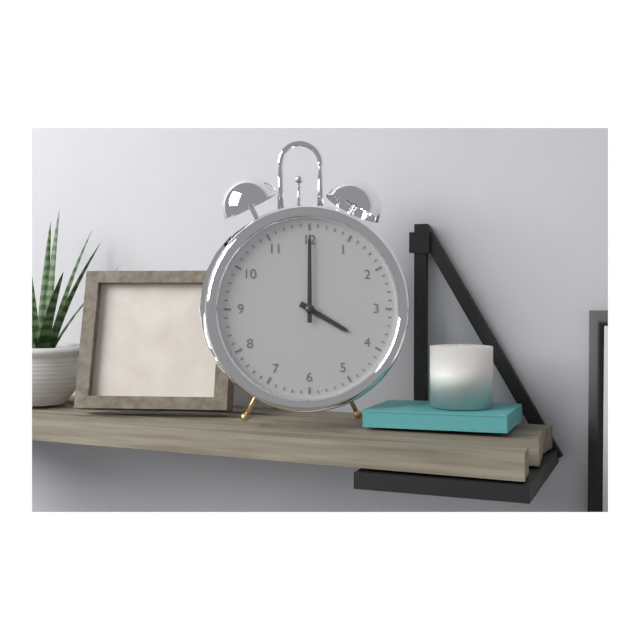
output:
4 h 00 min
